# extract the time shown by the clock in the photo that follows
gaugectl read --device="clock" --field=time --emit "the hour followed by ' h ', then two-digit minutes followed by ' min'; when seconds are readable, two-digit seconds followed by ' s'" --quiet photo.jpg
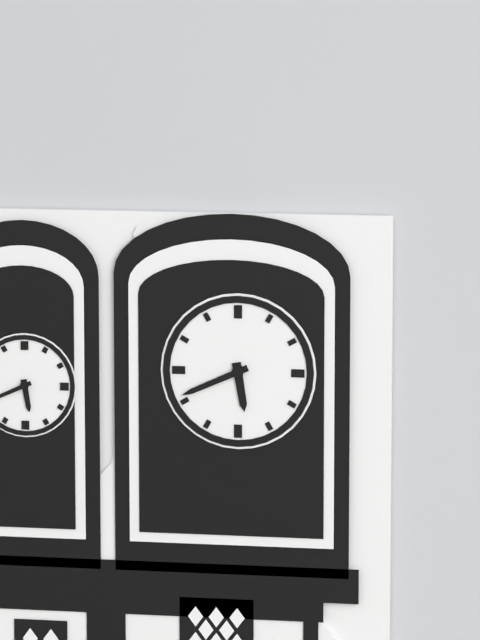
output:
5 h 41 min
